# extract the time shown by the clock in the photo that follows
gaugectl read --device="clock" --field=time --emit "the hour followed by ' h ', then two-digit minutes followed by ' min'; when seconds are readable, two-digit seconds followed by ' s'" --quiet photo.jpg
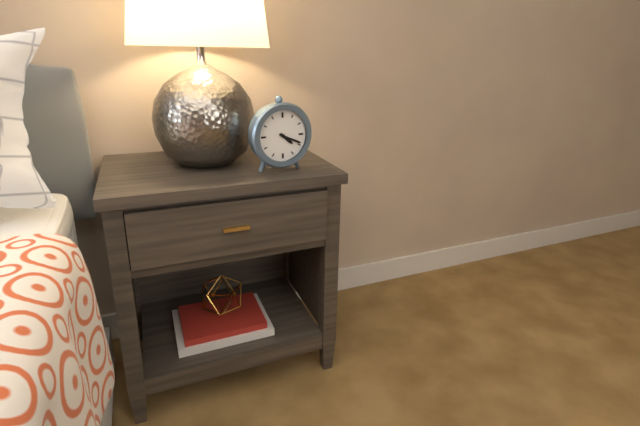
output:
4 h 19 min
